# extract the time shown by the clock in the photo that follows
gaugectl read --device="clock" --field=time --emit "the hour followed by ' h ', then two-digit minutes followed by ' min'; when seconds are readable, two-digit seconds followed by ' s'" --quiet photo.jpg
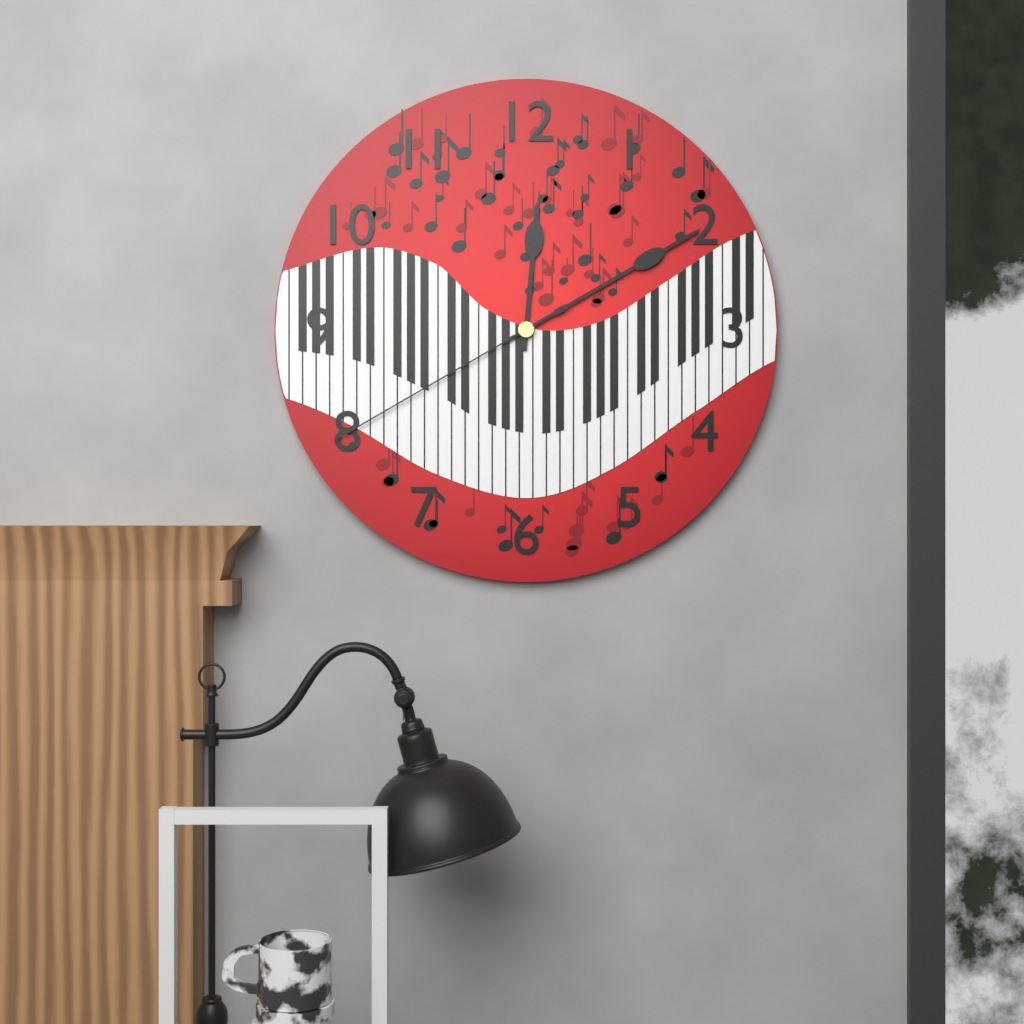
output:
12 h 10 min 40 s
